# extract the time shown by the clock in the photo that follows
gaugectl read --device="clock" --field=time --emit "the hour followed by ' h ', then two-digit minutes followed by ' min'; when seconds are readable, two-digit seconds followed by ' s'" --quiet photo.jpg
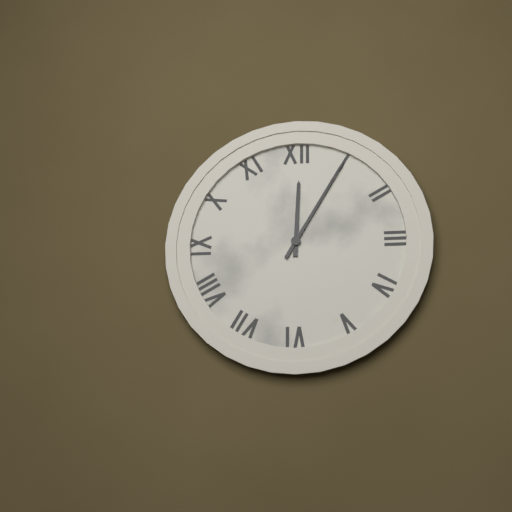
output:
12 h 05 min
